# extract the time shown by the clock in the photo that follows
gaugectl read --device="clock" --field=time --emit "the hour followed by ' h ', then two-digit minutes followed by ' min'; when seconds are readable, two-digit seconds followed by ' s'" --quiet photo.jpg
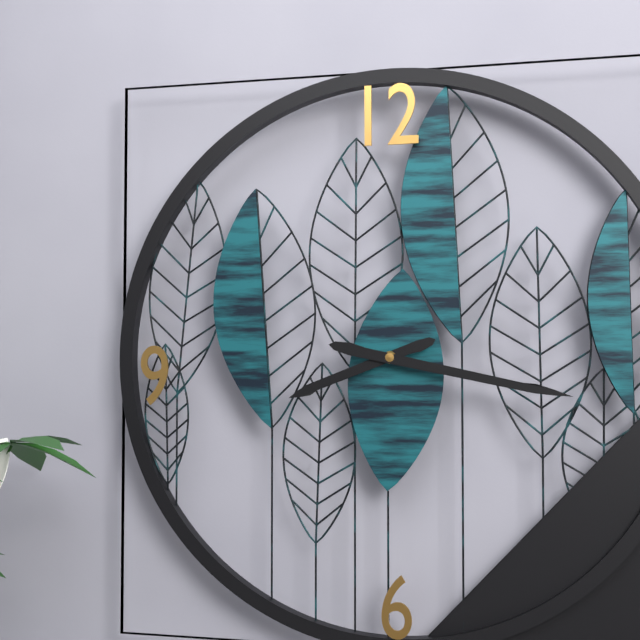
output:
8 h 17 min
